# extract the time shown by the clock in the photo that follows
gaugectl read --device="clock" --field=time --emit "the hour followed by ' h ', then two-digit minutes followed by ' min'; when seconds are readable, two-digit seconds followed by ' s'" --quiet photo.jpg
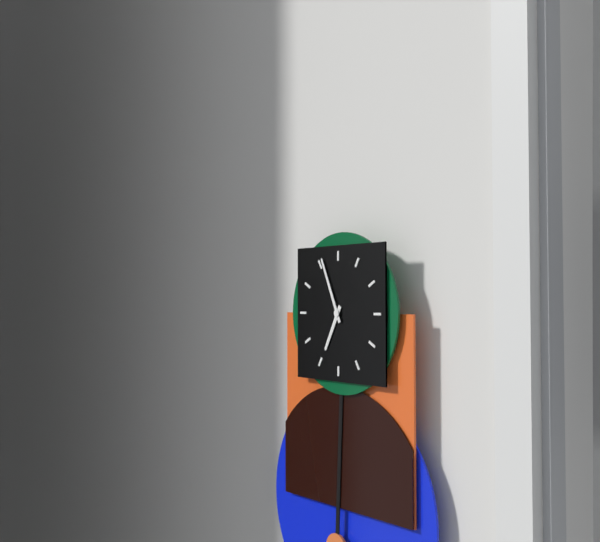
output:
6 h 56 min
